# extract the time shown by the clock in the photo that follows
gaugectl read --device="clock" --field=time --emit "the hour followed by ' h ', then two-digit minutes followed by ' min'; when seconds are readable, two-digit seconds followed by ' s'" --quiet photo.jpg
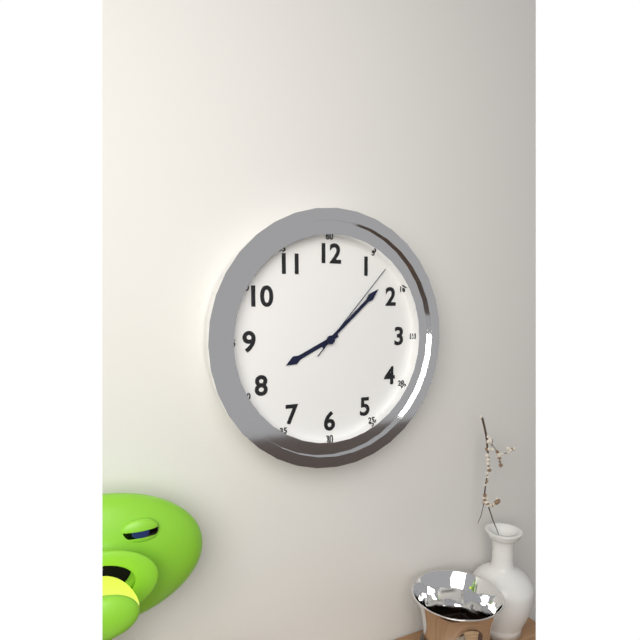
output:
8 h 08 min 07 s
